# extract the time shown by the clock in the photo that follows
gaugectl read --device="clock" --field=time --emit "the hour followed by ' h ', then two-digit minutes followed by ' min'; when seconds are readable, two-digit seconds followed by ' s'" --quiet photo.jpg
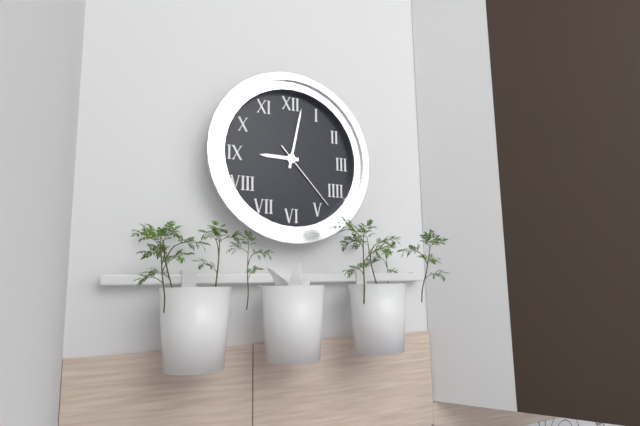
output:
9 h 02 min 23 s
